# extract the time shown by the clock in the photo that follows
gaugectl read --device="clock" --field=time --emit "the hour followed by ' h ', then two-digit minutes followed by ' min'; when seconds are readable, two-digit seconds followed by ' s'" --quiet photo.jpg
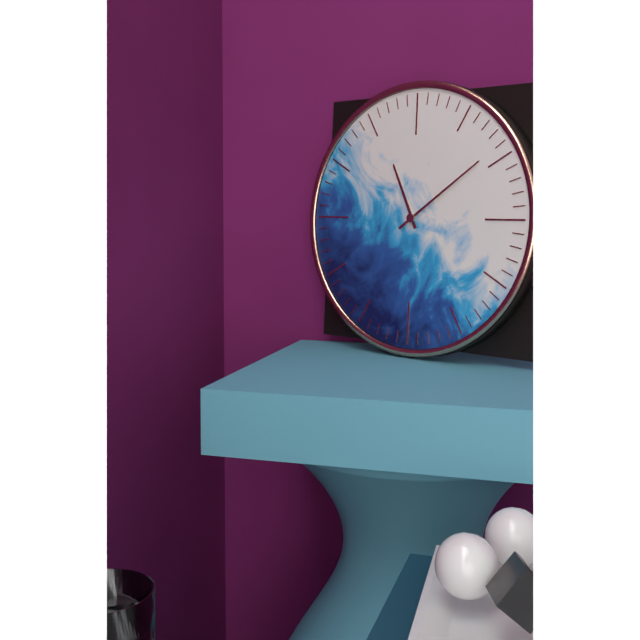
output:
11 h 09 min
